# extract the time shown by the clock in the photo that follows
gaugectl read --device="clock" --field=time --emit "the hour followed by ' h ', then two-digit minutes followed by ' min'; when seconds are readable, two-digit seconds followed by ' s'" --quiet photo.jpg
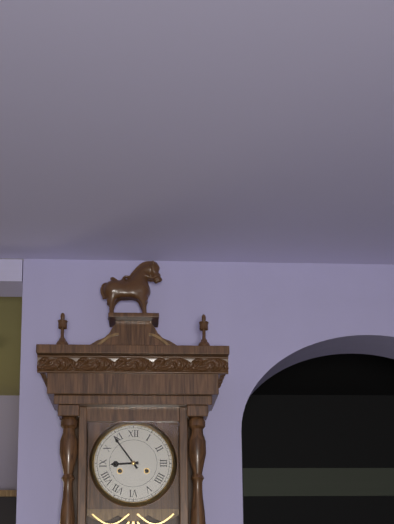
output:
8 h 54 min
